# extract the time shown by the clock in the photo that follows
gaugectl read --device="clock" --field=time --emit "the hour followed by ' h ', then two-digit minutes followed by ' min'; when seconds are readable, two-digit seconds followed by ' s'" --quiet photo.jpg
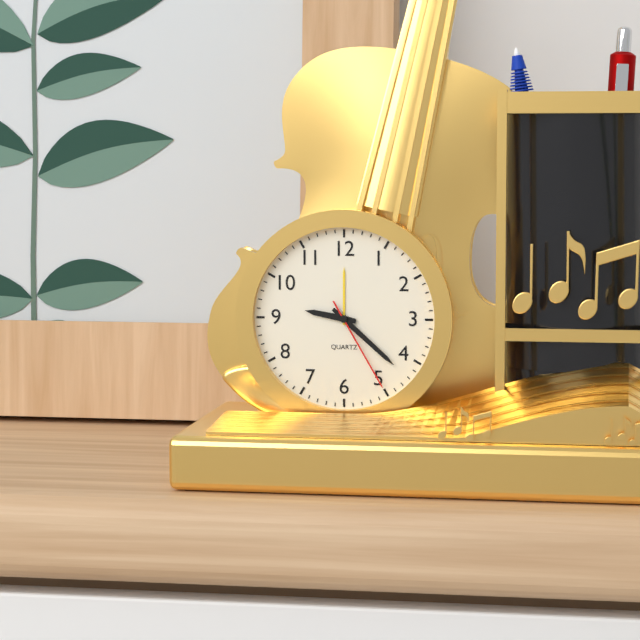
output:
9 h 22 min 25 s
